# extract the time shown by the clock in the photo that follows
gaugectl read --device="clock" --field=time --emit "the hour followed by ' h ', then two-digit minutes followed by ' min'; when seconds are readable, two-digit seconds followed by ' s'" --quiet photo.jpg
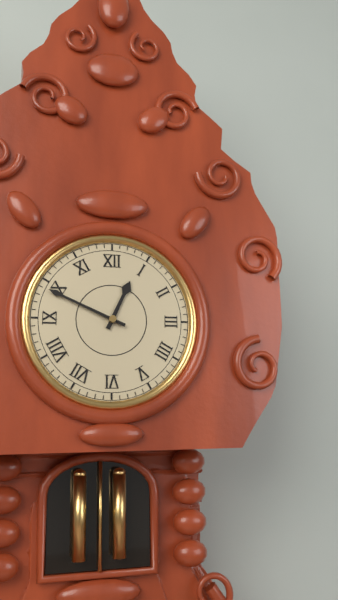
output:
12 h 49 min
